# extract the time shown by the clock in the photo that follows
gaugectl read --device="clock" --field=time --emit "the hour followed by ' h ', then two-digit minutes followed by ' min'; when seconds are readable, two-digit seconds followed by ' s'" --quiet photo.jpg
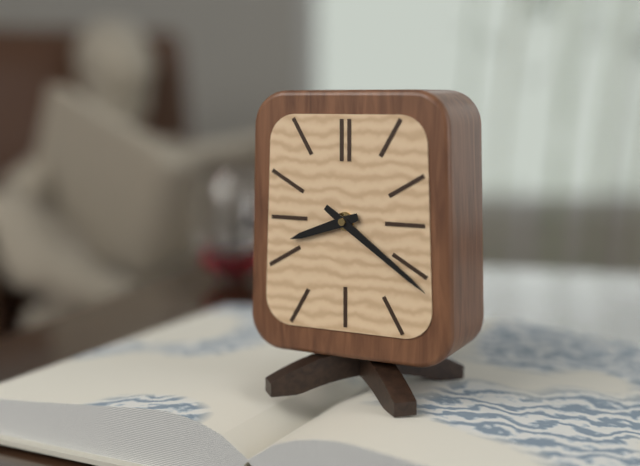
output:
8 h 21 min
